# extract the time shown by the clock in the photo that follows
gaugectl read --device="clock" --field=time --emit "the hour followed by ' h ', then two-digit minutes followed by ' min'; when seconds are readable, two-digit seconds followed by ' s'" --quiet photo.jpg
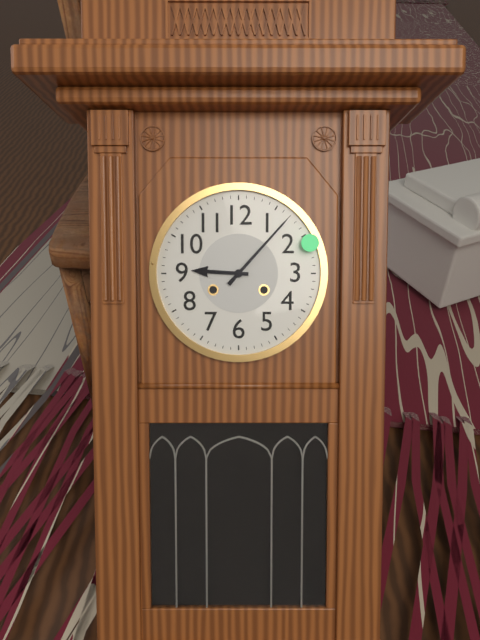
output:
9 h 07 min
